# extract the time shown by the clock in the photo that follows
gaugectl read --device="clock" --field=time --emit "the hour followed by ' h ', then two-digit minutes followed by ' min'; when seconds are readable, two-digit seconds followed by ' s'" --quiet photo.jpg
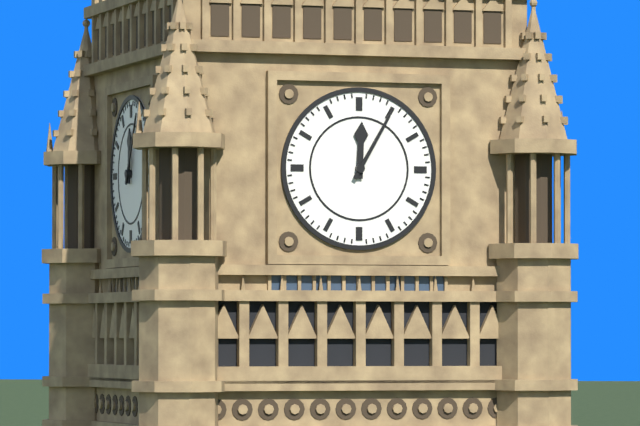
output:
12 h 05 min
